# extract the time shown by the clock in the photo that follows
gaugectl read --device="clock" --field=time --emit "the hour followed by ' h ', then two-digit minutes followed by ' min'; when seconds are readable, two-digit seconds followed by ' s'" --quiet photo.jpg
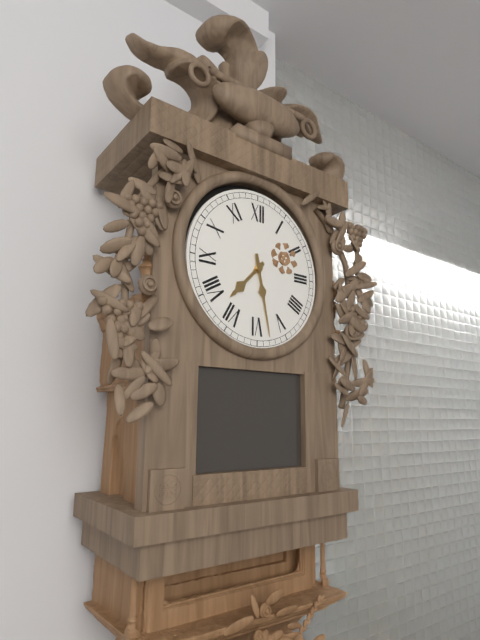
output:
7 h 28 min
